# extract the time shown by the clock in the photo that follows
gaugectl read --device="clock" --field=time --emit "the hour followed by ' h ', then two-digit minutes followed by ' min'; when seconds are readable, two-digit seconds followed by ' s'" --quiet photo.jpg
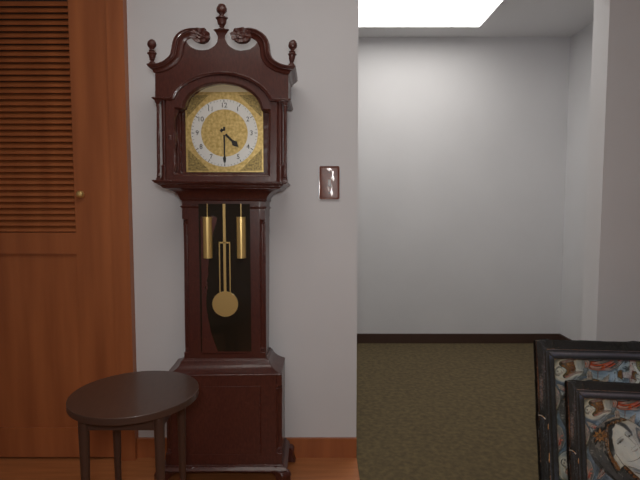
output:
4 h 30 min
